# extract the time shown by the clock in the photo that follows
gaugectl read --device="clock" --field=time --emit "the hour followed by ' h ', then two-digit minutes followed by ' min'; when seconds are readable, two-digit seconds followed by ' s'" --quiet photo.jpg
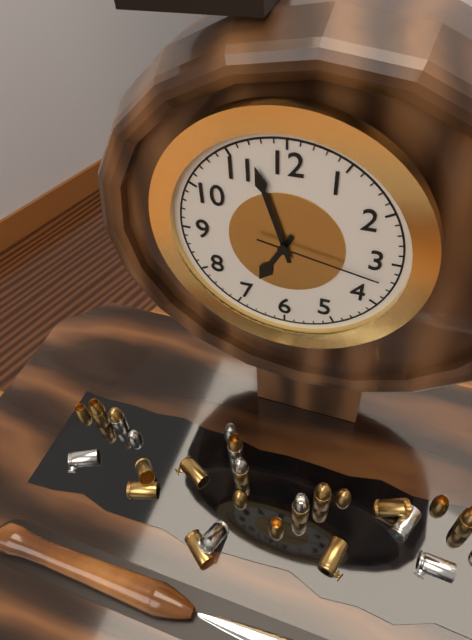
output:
6 h 57 min 17 s
